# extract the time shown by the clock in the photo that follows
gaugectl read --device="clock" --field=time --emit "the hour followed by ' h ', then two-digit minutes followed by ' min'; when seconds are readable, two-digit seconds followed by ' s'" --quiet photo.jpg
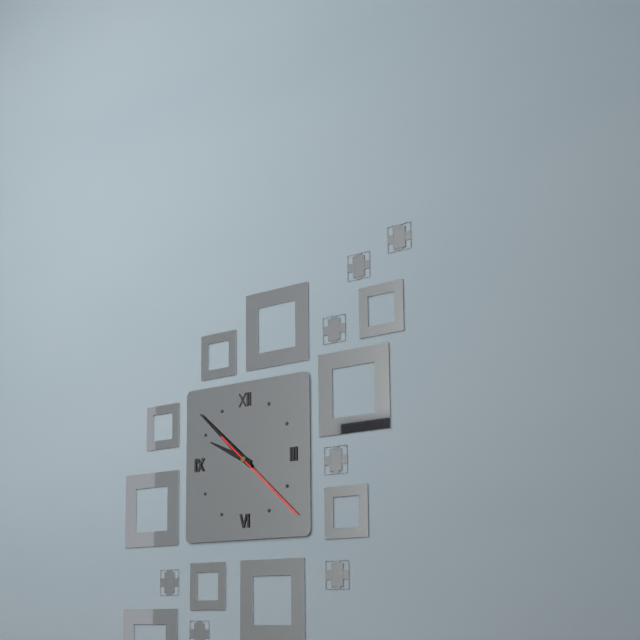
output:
9 h 52 min 22 s
